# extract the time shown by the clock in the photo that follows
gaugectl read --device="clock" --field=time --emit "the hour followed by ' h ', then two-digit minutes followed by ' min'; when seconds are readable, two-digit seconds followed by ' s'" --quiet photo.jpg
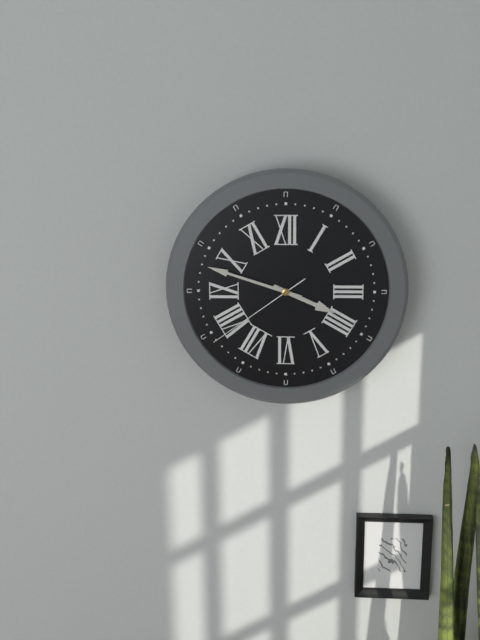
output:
3 h 48 min 39 s
